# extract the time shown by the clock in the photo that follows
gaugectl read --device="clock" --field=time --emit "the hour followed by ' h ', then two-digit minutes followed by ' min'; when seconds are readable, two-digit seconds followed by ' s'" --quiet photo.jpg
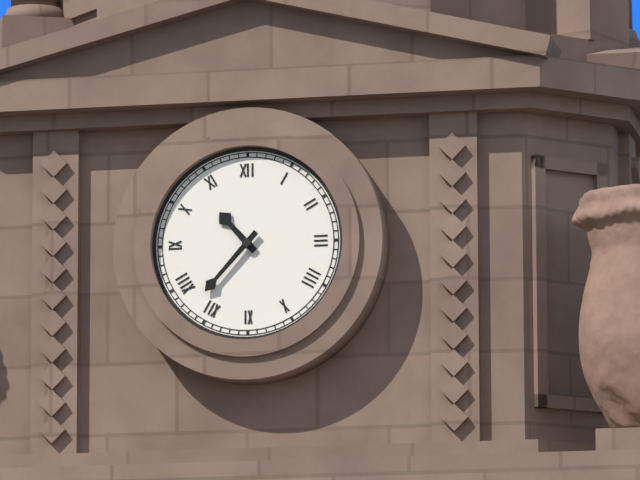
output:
10 h 37 min
